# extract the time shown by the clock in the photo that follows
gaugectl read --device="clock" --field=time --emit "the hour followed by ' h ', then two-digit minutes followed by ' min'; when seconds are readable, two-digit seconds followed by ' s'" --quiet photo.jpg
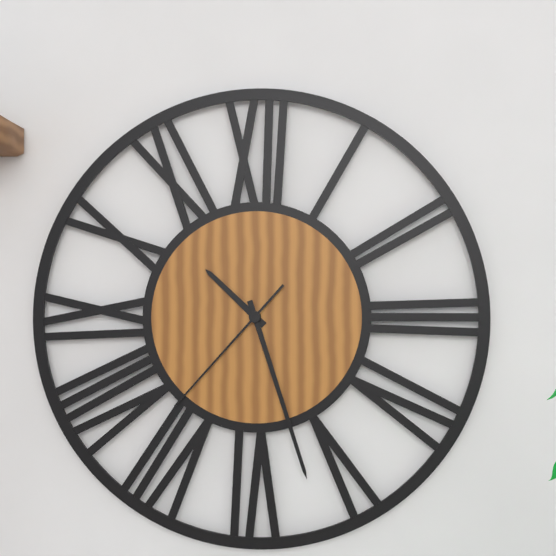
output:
10 h 27 min 37 s
